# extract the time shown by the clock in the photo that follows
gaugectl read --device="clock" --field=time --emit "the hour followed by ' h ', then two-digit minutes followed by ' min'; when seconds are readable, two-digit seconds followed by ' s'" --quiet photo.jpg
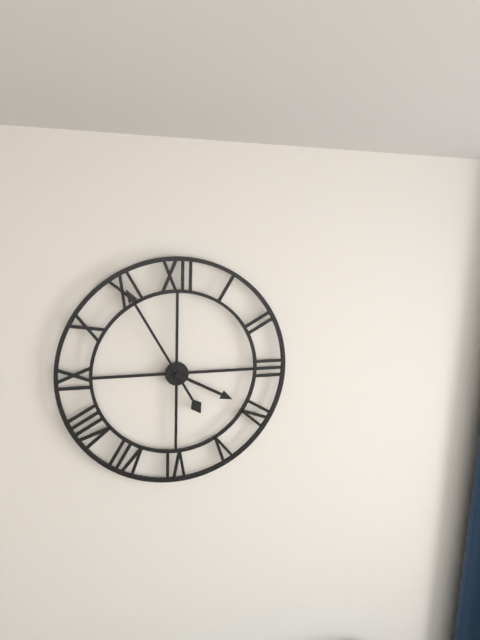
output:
3 h 55 min
